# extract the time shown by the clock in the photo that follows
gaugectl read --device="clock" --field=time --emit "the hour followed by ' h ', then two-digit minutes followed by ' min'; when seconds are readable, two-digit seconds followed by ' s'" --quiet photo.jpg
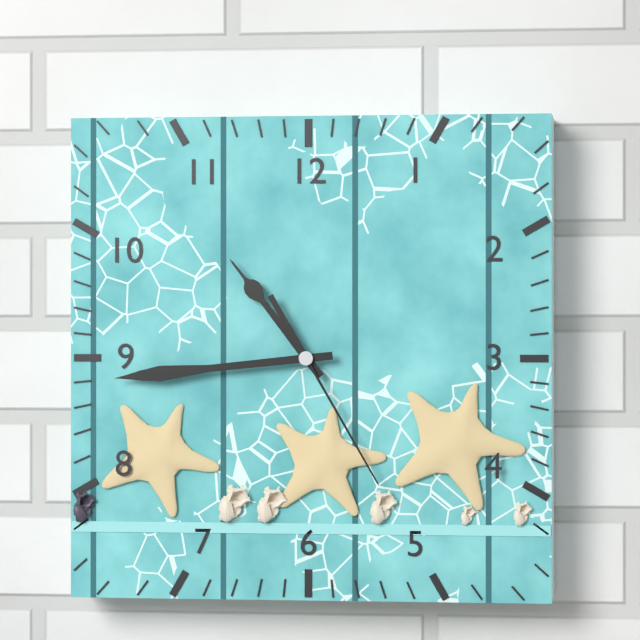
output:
10 h 44 min 25 s
